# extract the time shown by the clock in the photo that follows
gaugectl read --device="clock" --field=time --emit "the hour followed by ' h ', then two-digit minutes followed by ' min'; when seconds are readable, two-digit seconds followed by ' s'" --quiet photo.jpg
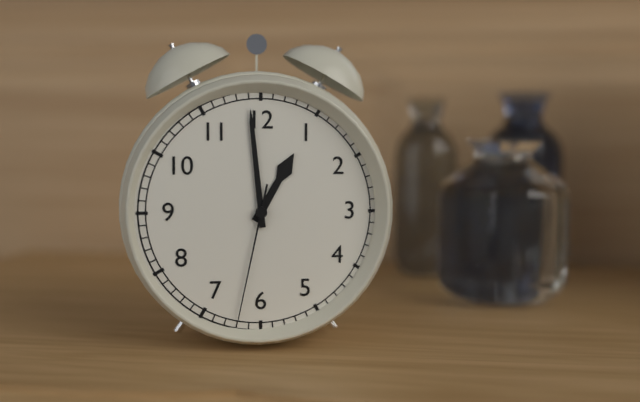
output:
12 h 59 min 32 s
